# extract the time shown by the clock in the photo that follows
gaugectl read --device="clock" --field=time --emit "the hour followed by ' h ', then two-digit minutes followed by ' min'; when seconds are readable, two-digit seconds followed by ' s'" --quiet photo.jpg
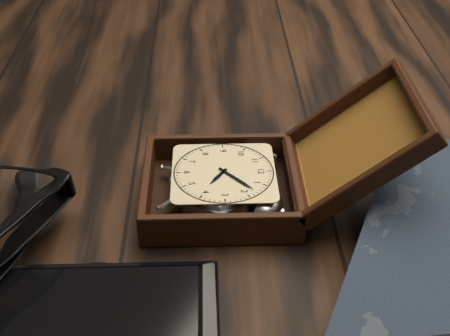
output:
4 h 08 min
